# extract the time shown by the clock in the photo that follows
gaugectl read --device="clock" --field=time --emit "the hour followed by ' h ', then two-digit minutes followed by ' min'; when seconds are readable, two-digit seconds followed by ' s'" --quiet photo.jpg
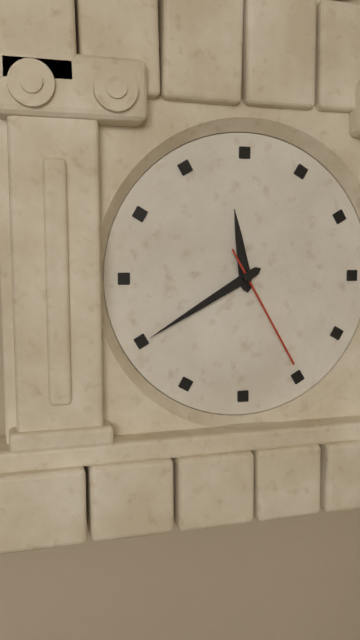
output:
11 h 40 min 25 s
